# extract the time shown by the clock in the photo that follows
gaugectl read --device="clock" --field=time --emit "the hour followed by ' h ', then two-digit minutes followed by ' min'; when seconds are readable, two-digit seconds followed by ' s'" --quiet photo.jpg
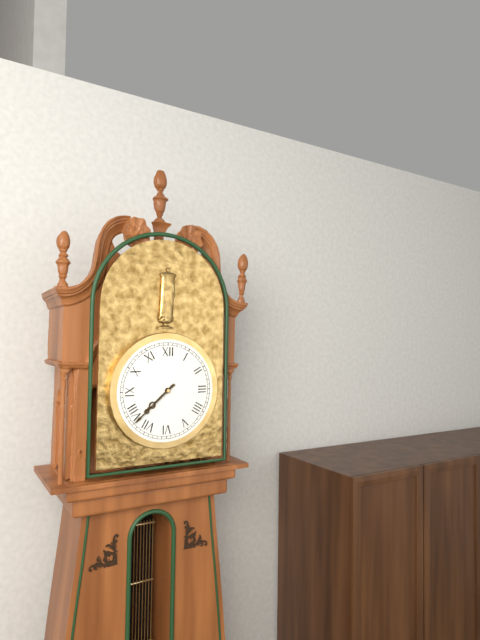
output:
7 h 38 min
